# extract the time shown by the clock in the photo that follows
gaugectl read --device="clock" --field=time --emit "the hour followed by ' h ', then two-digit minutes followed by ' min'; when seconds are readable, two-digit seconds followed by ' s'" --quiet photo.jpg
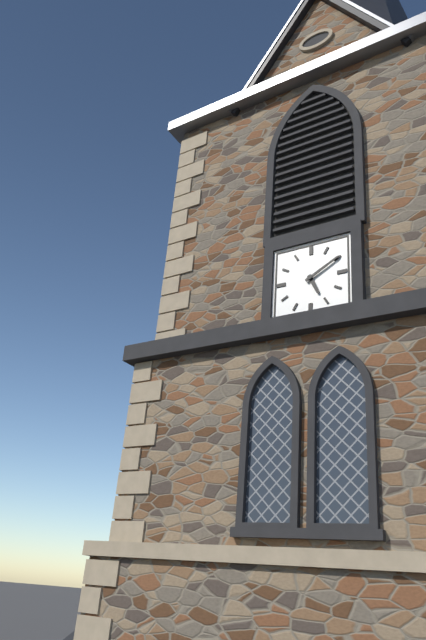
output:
5 h 10 min
